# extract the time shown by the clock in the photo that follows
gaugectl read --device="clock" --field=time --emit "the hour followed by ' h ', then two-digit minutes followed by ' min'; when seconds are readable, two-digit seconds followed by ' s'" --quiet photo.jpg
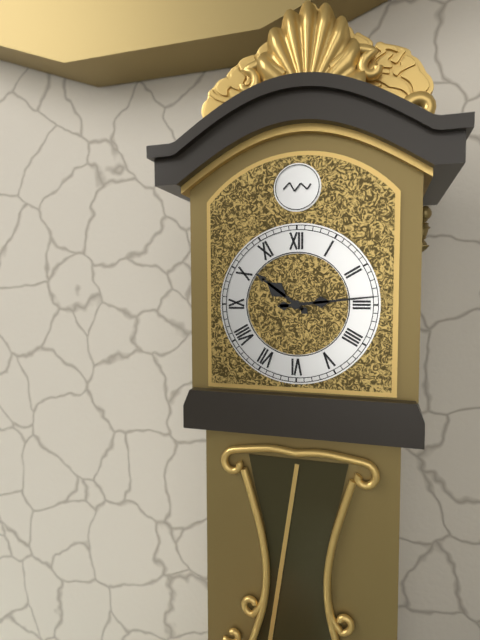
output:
10 h 14 min
